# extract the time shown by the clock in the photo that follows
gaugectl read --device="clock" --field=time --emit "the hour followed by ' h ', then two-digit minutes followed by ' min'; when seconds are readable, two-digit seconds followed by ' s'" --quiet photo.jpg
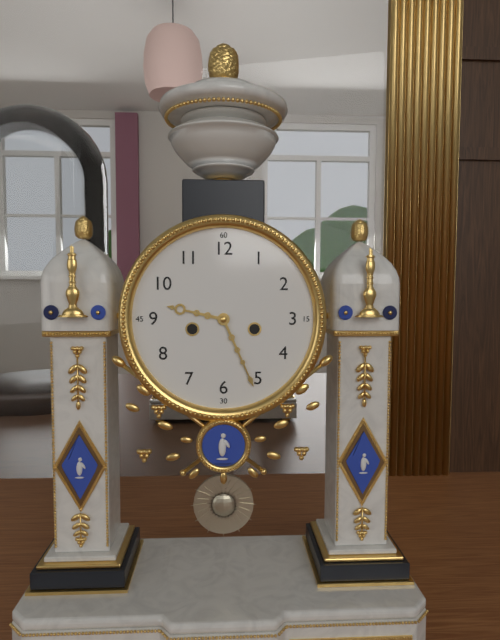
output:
9 h 26 min
